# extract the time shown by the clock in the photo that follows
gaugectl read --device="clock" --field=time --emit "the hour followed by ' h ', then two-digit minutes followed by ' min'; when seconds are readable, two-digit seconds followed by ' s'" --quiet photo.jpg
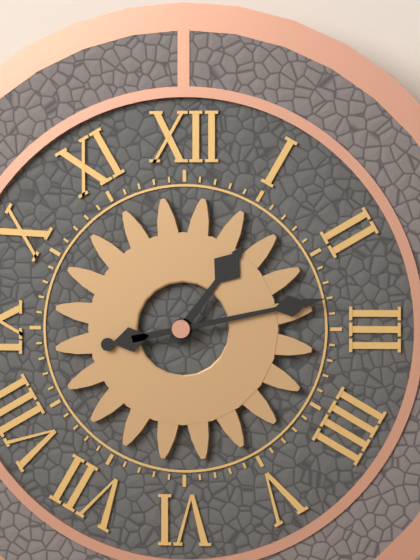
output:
1 h 13 min
